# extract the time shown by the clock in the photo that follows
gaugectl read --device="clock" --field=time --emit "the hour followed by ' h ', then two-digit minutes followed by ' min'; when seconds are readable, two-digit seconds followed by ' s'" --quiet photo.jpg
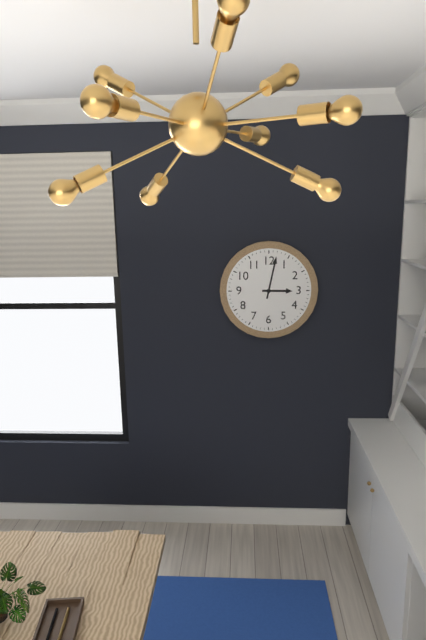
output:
3 h 02 min
